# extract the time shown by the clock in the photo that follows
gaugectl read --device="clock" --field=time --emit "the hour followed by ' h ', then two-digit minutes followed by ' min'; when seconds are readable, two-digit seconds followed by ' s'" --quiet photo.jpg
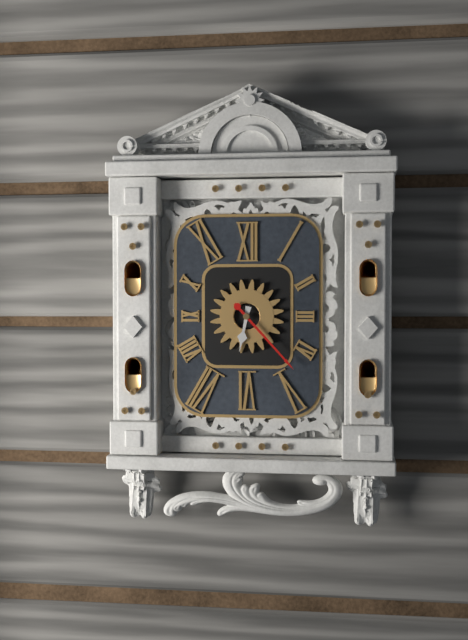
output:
6 h 23 min
